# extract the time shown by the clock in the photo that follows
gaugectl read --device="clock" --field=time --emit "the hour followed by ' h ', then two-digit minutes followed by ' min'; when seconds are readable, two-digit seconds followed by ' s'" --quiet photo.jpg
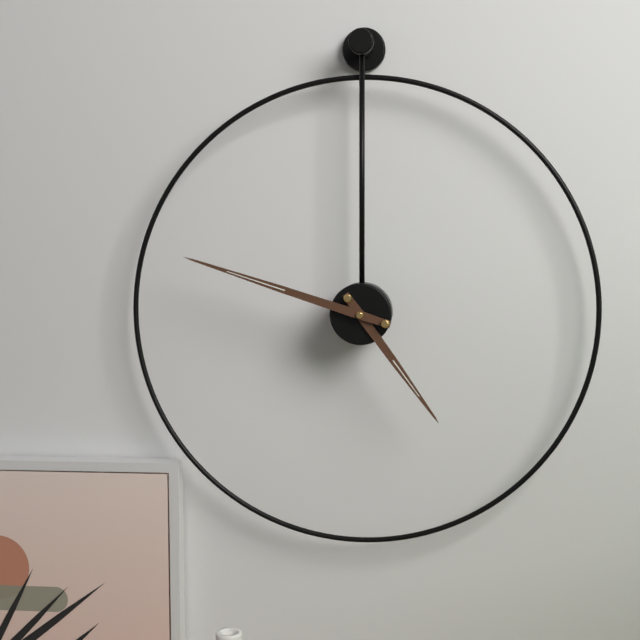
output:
4 h 48 min
